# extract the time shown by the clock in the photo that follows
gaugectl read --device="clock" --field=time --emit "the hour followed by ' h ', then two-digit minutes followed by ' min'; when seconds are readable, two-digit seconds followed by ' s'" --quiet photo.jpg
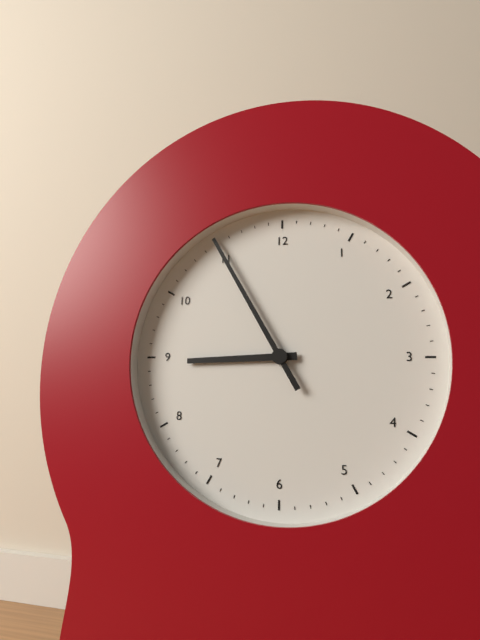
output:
8 h 55 min
